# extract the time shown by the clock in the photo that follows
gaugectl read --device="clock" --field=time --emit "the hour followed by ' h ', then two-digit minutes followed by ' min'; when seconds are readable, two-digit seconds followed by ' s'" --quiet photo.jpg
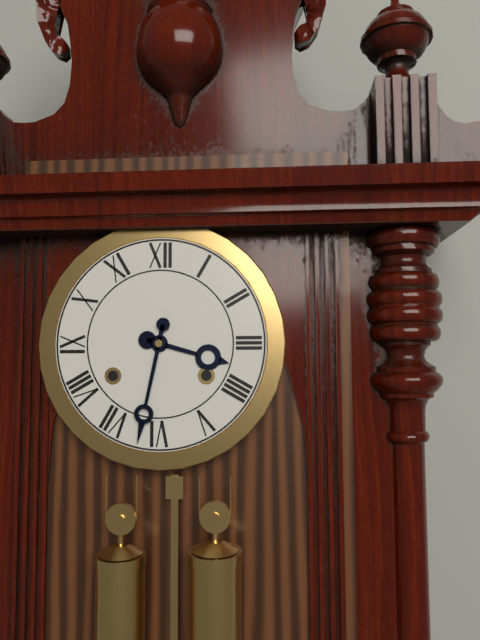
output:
3 h 32 min
